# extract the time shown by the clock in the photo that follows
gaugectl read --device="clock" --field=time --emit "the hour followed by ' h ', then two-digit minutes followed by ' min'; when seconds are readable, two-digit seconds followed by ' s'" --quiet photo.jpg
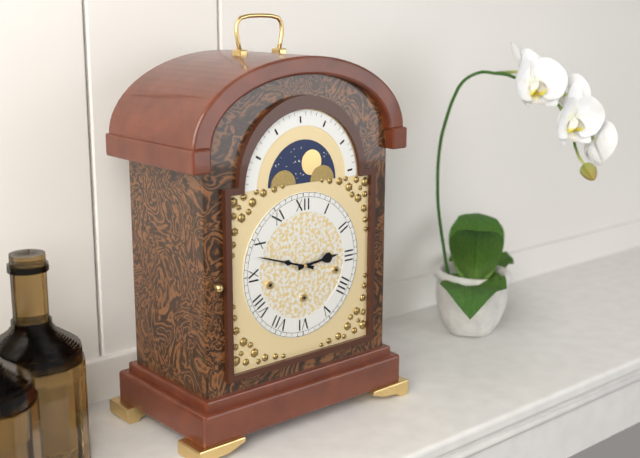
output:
2 h 48 min
